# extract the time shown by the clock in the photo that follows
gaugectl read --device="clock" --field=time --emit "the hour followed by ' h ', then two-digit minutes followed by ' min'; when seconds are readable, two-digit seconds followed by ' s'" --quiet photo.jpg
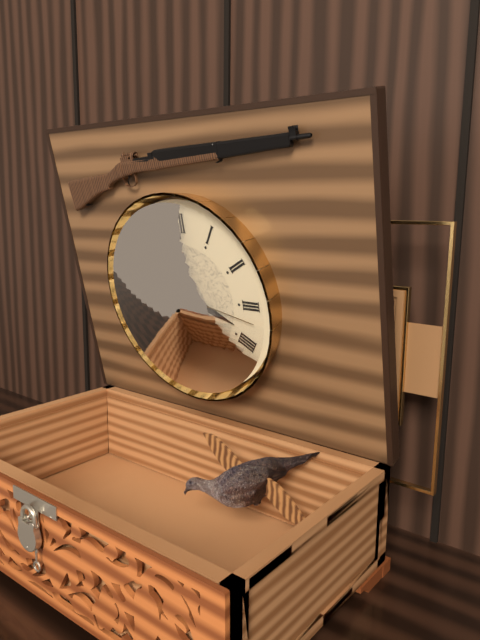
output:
3 h 43 min 17 s
